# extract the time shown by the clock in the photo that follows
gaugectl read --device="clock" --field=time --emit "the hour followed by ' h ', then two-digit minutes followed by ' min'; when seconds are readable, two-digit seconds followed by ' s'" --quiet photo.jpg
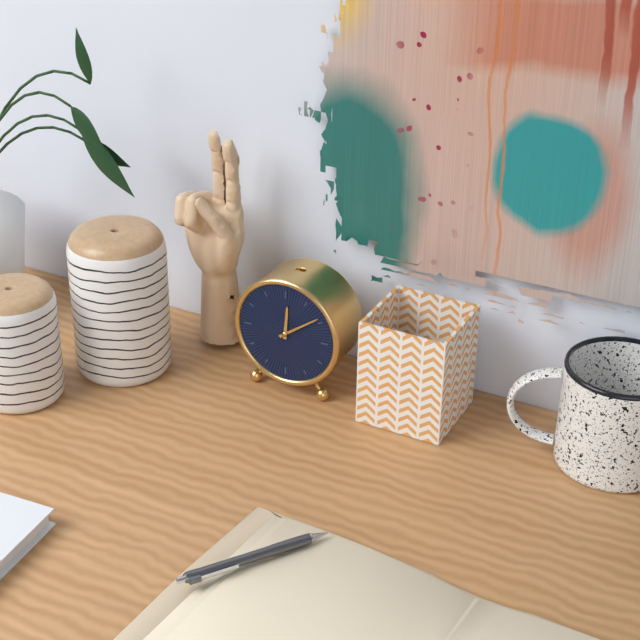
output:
12 h 09 min
